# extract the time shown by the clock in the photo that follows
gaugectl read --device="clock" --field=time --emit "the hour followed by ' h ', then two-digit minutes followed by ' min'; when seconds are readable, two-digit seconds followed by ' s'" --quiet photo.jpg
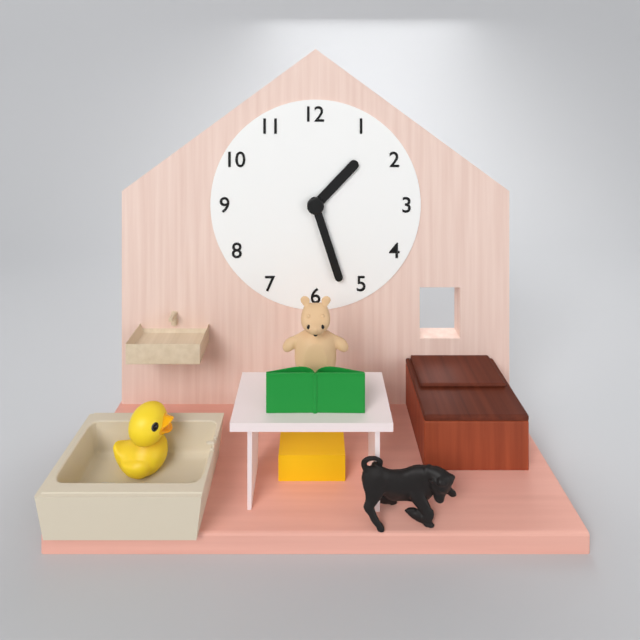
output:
1 h 27 min
